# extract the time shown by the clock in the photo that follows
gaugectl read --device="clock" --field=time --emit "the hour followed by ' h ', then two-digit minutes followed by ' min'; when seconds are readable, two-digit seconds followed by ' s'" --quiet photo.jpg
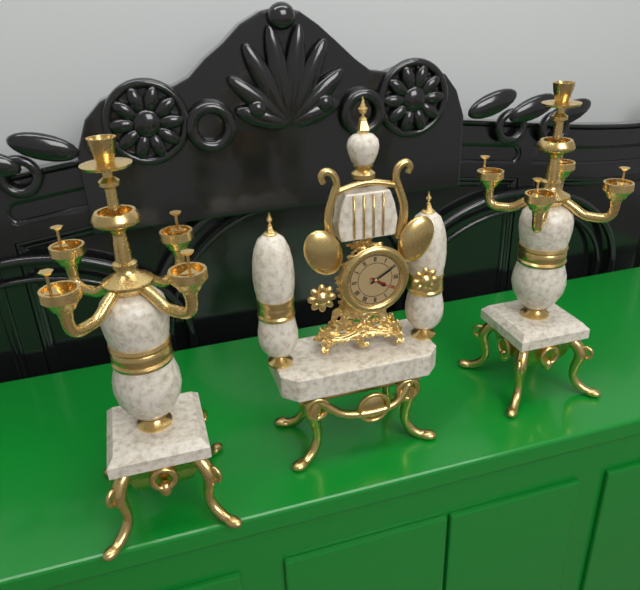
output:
4 h 10 min
